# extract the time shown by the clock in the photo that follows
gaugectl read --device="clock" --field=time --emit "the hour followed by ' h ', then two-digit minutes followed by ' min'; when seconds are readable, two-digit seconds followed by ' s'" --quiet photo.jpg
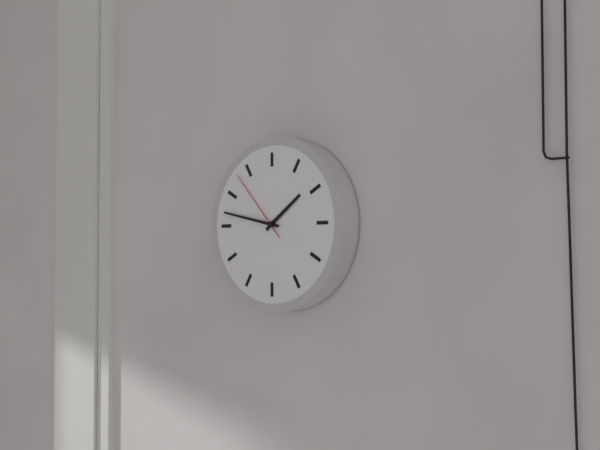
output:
1 h 47 min 53 s
